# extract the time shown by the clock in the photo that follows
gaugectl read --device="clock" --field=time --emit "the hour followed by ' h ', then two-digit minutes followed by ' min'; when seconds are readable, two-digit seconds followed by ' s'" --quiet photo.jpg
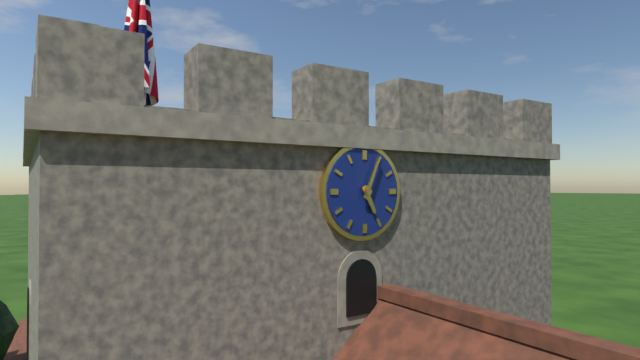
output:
5 h 04 min
